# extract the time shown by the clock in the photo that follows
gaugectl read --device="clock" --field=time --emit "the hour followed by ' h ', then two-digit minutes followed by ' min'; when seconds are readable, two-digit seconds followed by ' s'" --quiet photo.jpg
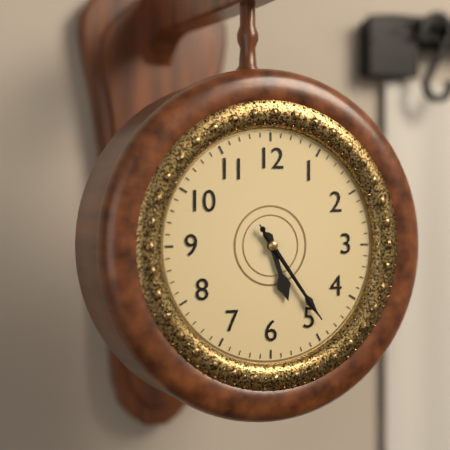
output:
5 h 24 min 24 s
